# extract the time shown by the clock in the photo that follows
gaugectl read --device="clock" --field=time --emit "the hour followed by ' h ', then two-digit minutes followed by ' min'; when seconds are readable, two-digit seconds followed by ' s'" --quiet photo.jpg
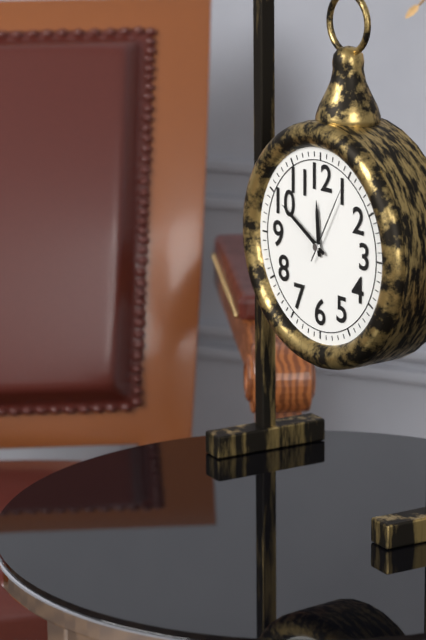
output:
11 h 50 min 05 s
